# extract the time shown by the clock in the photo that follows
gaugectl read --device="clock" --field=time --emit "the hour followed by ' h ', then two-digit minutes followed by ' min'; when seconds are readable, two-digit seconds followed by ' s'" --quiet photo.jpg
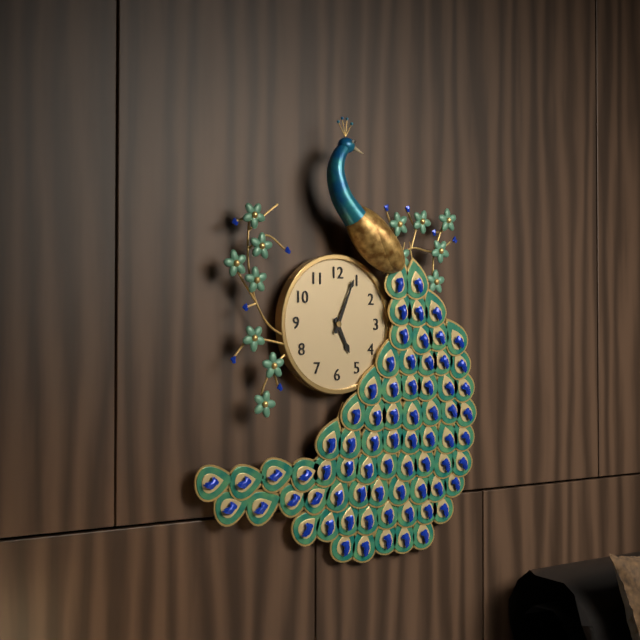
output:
5 h 04 min
